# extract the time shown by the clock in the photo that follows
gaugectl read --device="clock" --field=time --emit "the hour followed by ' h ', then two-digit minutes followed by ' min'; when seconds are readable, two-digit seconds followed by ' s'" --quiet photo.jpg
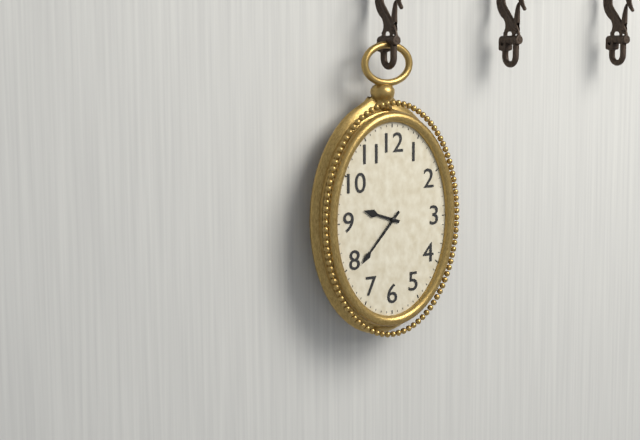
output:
9 h 37 min
